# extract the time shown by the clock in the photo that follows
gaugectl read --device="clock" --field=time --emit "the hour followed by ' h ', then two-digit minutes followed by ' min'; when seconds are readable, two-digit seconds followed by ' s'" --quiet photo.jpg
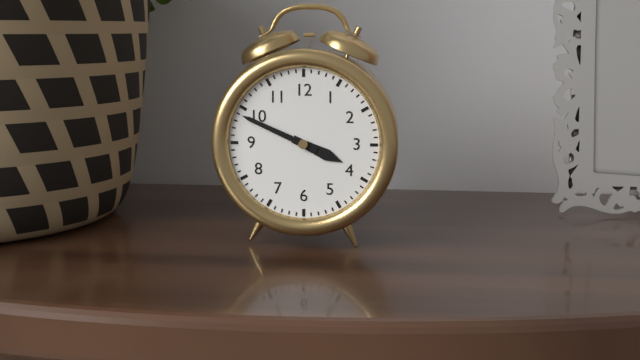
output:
3 h 49 min
